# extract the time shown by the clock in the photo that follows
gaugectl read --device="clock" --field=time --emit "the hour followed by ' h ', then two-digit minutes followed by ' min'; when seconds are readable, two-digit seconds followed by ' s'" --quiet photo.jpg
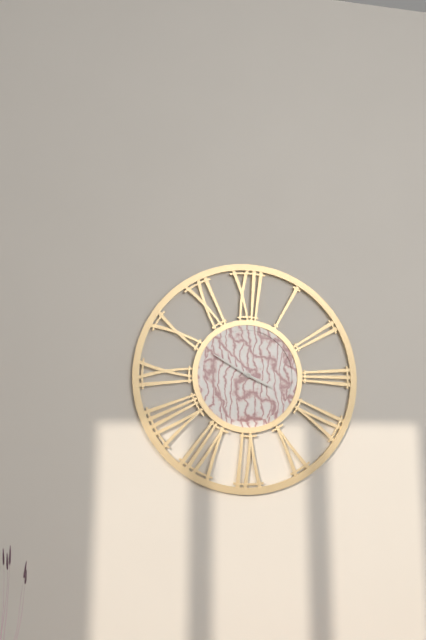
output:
3 h 50 min
